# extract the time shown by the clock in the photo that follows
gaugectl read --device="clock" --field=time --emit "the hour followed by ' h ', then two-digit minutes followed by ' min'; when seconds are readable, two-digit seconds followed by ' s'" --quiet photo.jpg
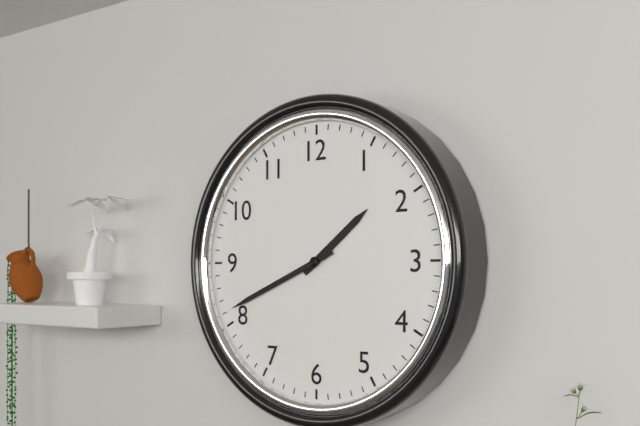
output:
1 h 41 min
